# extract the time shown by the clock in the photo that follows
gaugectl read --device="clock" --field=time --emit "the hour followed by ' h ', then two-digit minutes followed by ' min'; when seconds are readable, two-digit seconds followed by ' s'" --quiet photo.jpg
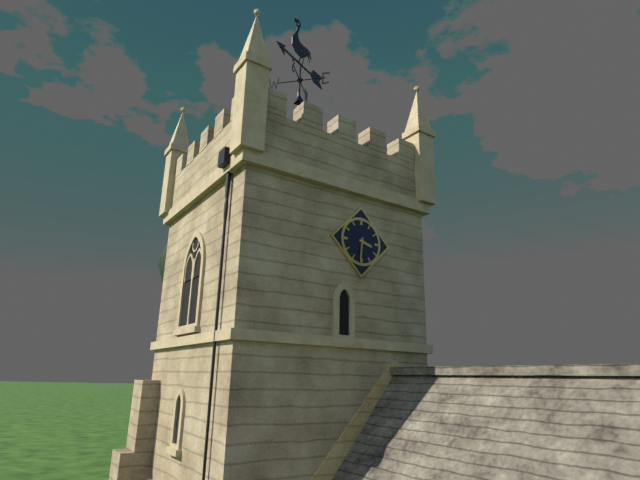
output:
3 h 31 min
